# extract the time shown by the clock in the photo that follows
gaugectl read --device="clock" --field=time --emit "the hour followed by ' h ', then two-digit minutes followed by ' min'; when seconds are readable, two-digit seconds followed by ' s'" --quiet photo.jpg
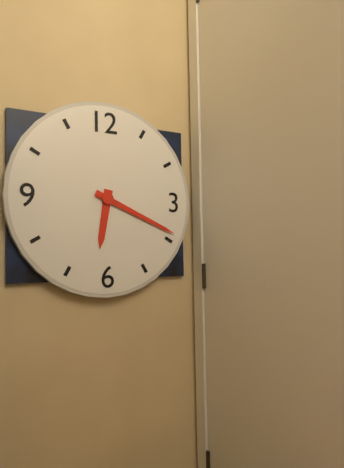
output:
6 h 19 min
